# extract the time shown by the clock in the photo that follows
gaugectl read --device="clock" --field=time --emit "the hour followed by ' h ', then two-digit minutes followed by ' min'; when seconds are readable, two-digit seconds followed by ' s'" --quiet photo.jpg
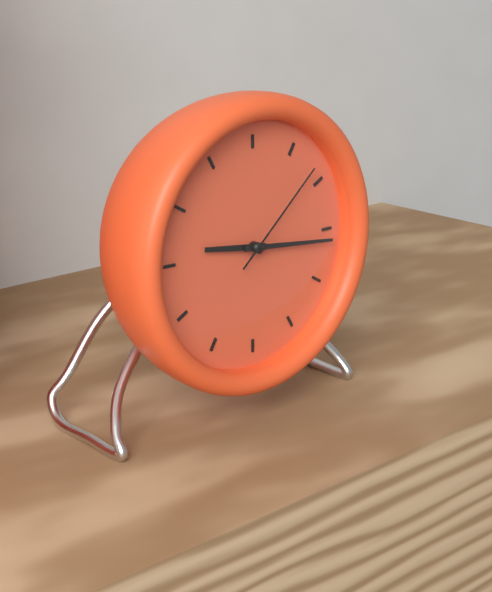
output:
9 h 16 min 08 s
